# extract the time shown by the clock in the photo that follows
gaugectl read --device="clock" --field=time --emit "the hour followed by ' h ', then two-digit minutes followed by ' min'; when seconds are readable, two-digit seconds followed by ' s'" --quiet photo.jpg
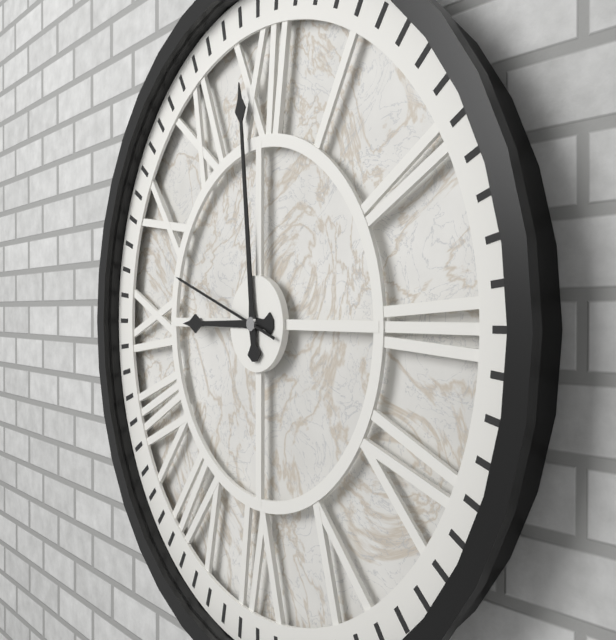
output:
8 h 59 min 48 s
